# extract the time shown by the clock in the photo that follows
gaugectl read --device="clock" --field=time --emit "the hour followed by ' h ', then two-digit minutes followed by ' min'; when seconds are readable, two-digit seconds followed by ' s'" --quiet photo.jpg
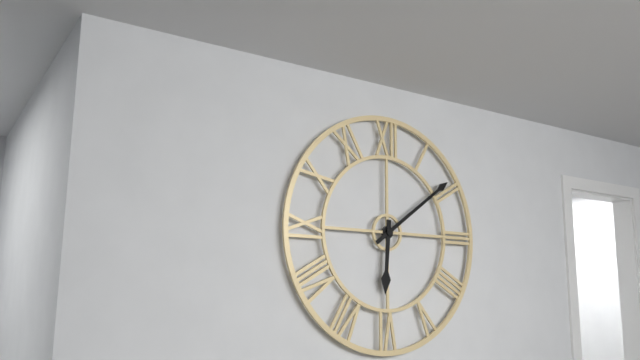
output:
6 h 09 min
